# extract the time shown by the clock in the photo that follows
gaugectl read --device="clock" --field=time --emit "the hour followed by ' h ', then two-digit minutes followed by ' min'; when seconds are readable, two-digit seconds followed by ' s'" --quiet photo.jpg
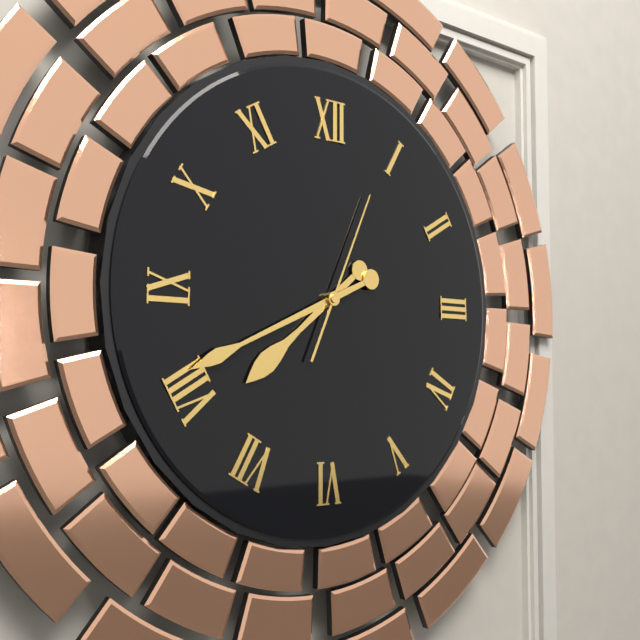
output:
7 h 41 min 04 s
